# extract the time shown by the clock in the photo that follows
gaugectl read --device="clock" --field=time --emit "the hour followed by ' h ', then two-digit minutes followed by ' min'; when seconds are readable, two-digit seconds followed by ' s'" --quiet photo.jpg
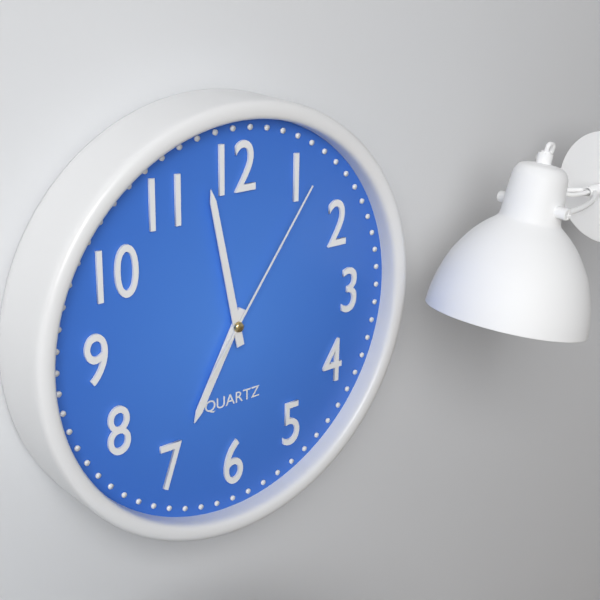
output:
6 h 58 min 06 s
